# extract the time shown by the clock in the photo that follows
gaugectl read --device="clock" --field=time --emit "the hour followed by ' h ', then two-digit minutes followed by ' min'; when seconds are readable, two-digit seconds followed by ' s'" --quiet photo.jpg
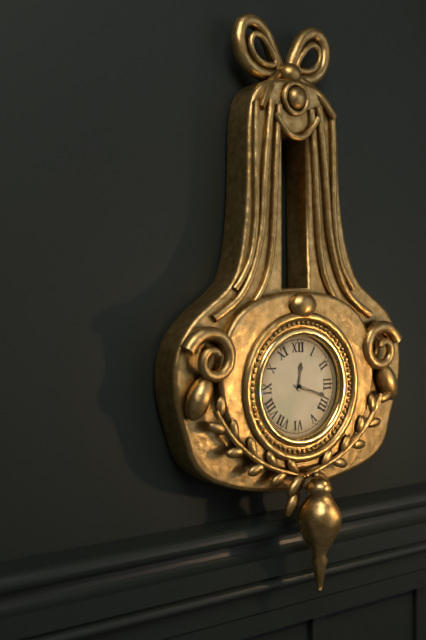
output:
12 h 18 min
